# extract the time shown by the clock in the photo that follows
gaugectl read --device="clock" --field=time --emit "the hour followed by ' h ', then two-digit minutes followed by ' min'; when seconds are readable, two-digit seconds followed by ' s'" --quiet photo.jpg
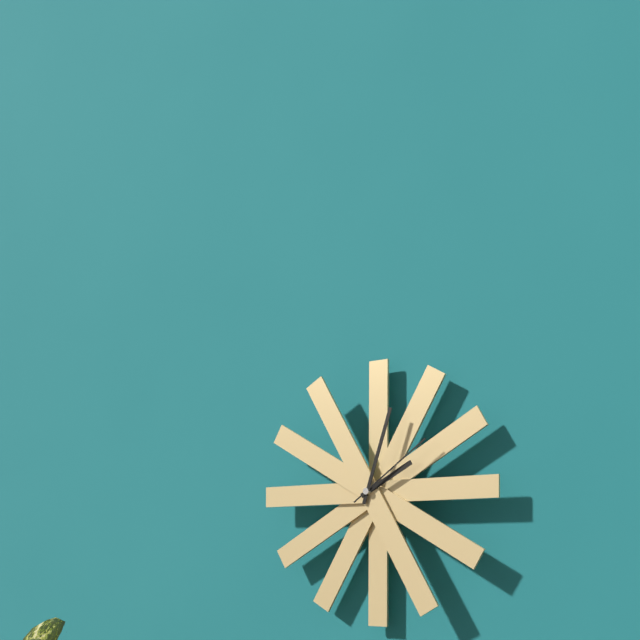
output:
2 h 03 min 09 s
